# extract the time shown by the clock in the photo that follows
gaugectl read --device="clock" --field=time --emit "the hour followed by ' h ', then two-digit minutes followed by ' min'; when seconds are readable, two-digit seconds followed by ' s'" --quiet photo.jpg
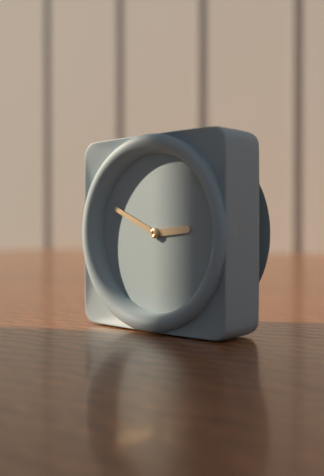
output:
2 h 49 min
